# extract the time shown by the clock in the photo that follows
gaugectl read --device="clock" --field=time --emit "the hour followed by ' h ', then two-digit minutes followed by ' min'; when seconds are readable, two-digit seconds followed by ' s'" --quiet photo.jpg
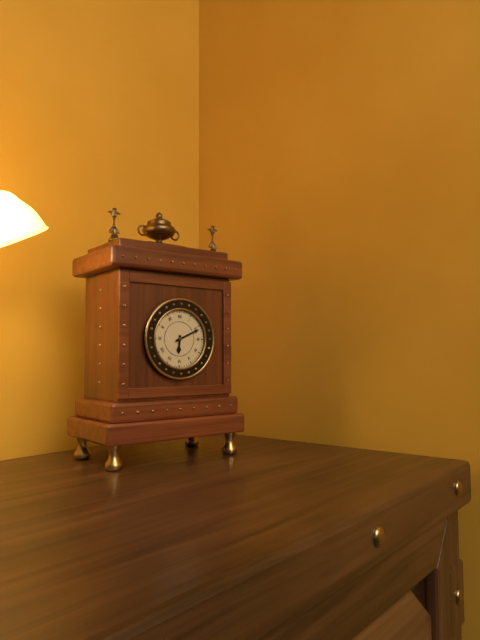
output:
6 h 11 min
